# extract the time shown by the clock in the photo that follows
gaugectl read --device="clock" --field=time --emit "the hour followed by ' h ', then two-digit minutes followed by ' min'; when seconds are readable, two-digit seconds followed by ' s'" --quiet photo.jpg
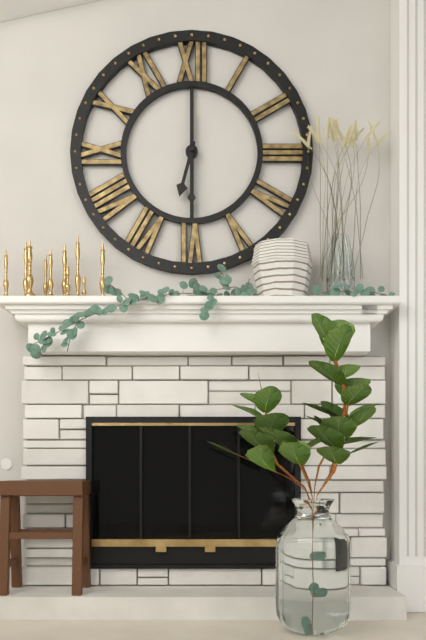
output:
6 h 30 min
